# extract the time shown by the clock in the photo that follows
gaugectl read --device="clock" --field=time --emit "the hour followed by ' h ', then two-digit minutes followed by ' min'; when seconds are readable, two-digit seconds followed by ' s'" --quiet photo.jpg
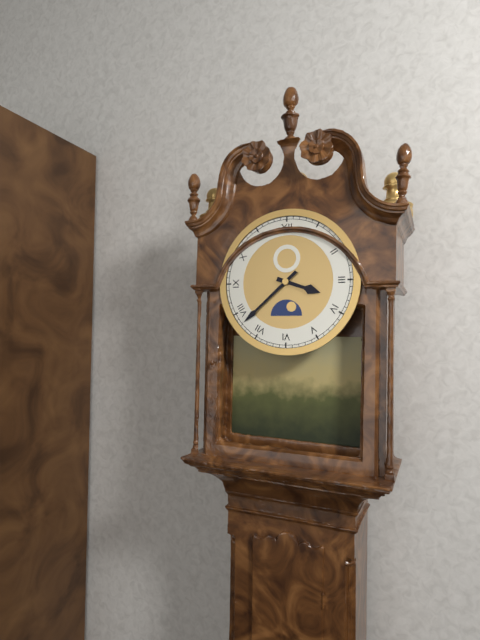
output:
3 h 38 min
